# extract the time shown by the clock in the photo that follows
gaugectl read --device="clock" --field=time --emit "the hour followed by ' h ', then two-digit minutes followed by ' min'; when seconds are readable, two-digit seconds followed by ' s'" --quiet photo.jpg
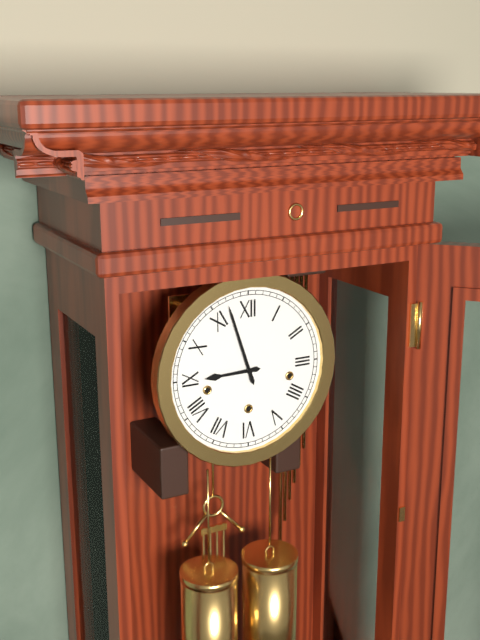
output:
8 h 57 min
